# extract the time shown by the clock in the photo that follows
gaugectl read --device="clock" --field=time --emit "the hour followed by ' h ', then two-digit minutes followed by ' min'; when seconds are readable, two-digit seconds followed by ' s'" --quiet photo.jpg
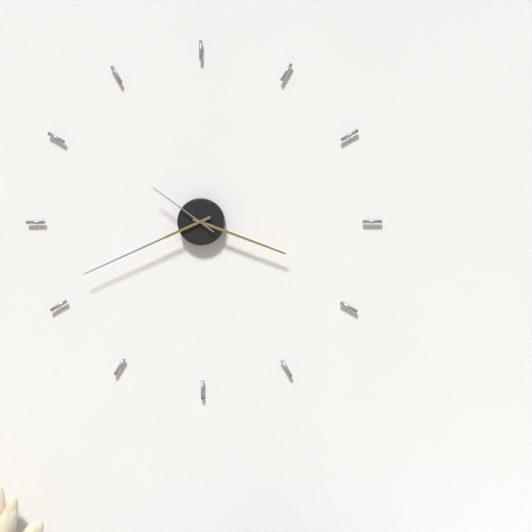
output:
3 h 41 min 51 s
